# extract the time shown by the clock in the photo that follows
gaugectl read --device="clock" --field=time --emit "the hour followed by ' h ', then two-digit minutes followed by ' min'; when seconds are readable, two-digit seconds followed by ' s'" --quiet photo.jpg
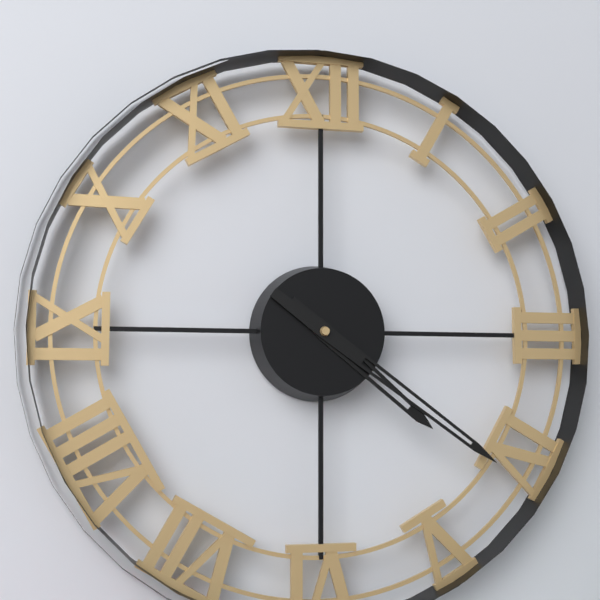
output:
4 h 21 min
